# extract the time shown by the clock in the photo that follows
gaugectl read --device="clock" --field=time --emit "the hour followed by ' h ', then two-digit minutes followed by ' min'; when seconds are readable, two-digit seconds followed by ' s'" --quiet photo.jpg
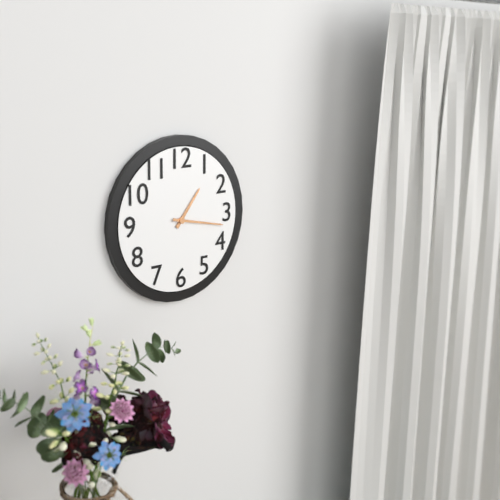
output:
1 h 17 min
